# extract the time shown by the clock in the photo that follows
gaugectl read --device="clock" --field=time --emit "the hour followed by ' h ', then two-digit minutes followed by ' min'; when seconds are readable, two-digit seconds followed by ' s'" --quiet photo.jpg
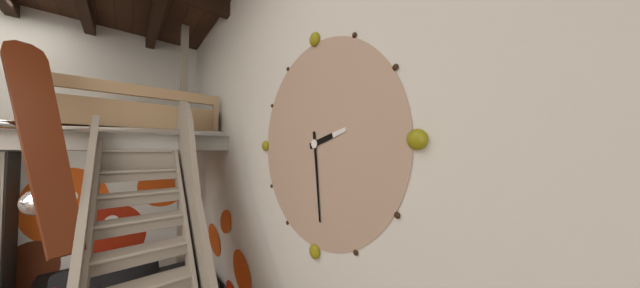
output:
2 h 29 min
